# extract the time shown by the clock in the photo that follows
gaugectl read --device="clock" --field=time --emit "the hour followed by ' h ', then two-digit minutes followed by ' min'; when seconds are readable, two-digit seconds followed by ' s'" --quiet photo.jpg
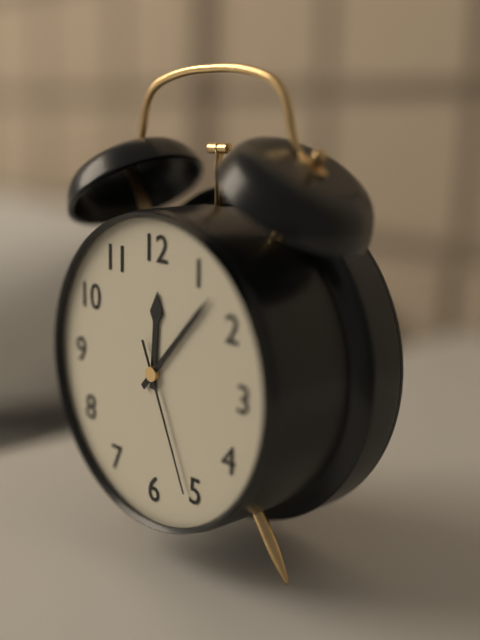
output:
12 h 07 min 26 s
